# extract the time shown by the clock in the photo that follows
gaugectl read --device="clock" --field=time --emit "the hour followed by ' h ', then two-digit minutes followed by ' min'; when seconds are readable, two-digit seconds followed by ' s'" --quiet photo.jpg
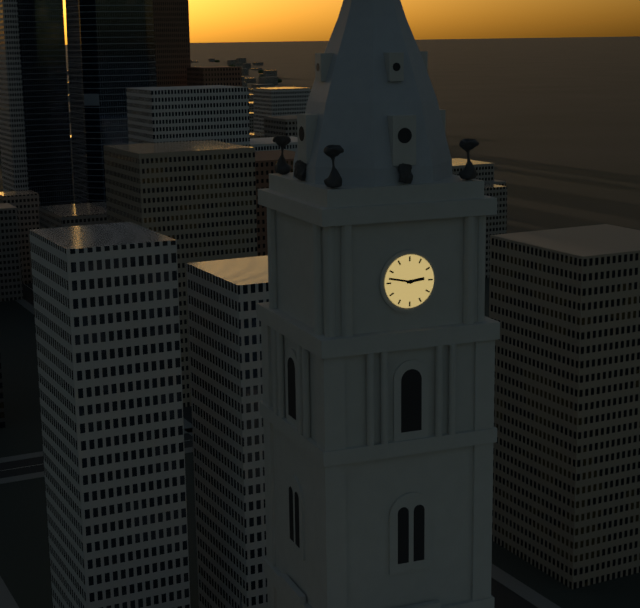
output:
2 h 47 min
